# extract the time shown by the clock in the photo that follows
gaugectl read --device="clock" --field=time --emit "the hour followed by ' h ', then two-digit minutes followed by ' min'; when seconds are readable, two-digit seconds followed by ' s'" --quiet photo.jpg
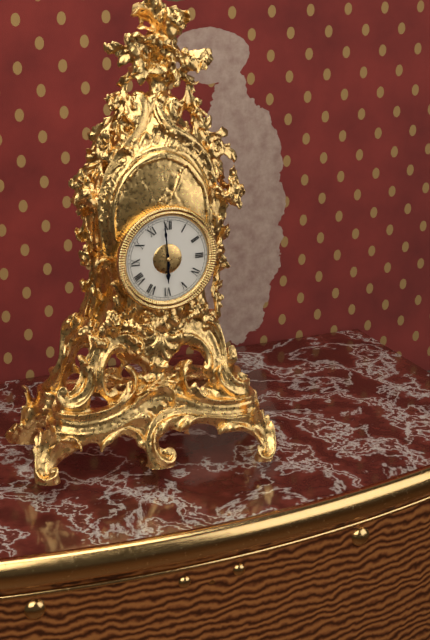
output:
5 h 59 min
